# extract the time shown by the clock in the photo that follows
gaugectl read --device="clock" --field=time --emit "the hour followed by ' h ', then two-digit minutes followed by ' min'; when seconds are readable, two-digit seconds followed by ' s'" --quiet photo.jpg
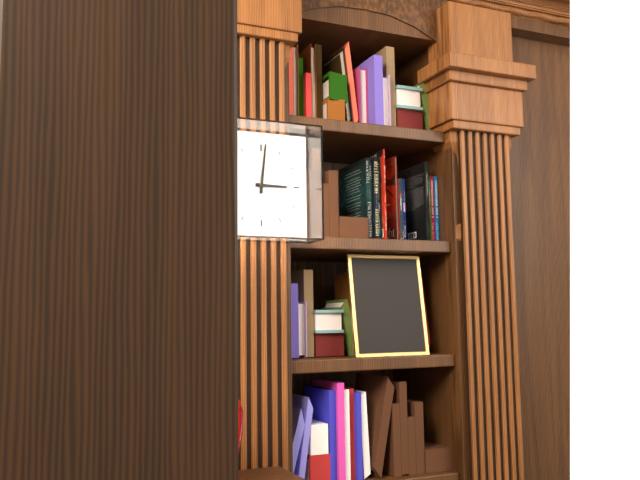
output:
3 h 01 min
